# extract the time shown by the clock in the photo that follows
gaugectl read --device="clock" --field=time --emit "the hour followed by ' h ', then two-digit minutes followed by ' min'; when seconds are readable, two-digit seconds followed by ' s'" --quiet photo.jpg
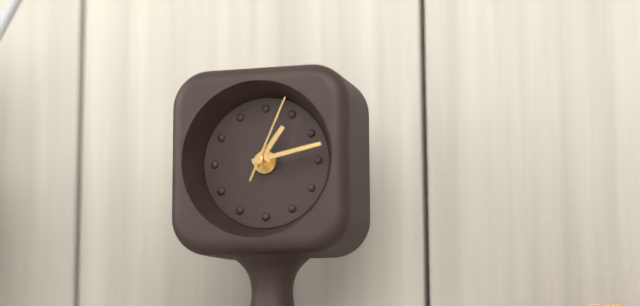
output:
1 h 13 min 04 s
